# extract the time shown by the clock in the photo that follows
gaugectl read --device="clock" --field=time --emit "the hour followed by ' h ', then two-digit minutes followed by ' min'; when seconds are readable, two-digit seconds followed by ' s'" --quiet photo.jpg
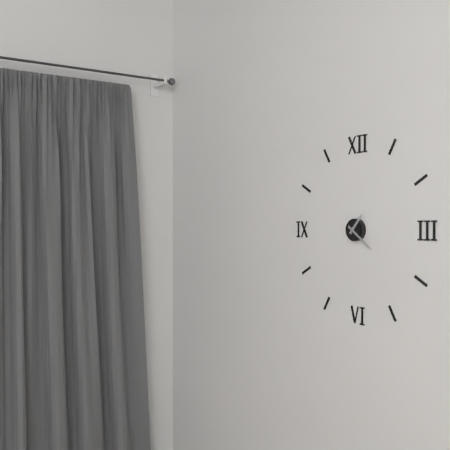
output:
1 h 21 min
